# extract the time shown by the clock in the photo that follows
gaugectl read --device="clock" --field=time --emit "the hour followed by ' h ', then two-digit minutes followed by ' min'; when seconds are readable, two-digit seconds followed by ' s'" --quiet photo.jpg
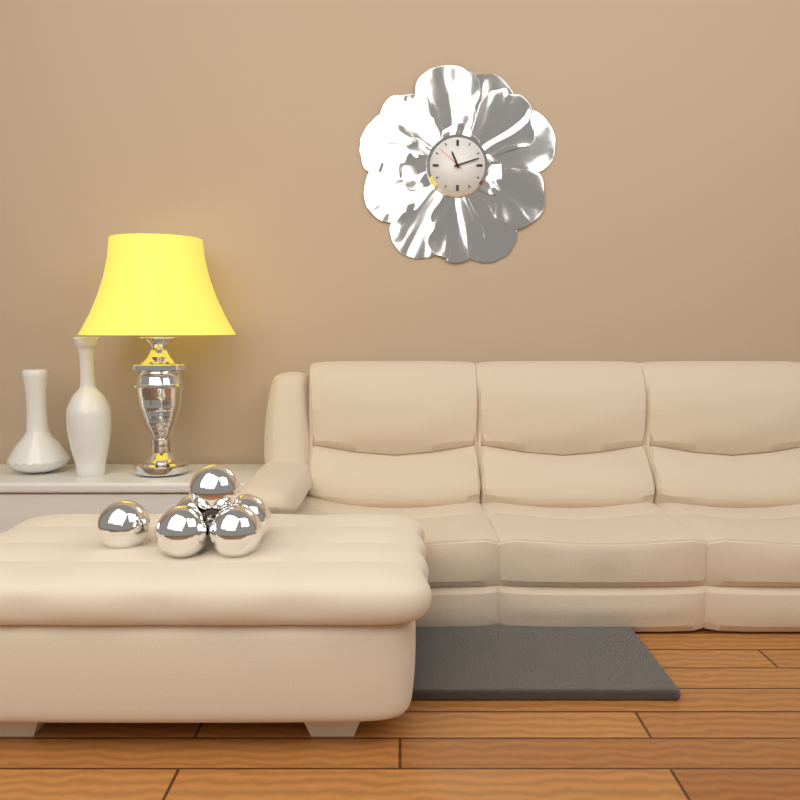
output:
11 h 12 min
